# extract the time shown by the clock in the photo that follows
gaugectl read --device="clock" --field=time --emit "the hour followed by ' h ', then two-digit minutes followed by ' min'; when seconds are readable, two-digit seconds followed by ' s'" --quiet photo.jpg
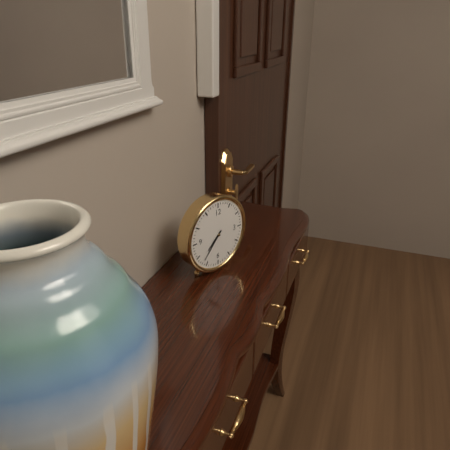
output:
7 h 37 min
